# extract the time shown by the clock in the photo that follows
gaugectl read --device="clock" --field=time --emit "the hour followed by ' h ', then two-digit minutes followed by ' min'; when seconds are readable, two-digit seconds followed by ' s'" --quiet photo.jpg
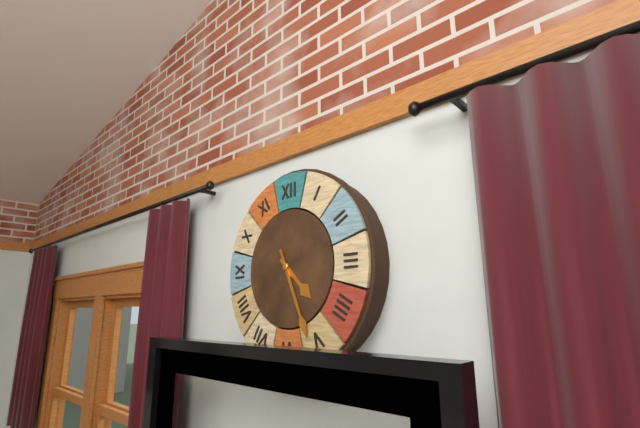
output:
4 h 26 min
